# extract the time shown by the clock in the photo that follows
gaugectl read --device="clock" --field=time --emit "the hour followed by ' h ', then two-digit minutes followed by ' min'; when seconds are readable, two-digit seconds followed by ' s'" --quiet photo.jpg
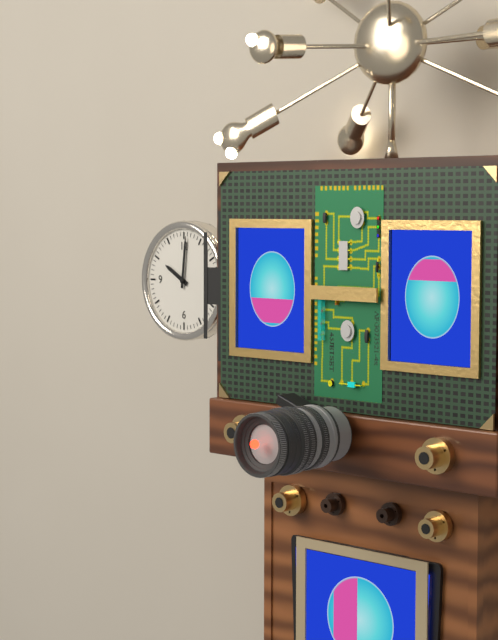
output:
10 h 01 min
